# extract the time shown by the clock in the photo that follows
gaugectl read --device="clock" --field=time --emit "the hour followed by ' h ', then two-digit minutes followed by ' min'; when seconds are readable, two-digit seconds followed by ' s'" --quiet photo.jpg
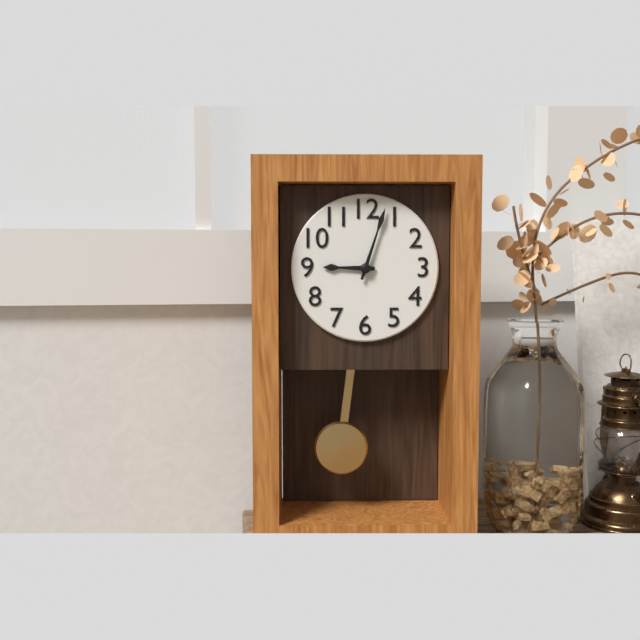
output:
9 h 03 min
